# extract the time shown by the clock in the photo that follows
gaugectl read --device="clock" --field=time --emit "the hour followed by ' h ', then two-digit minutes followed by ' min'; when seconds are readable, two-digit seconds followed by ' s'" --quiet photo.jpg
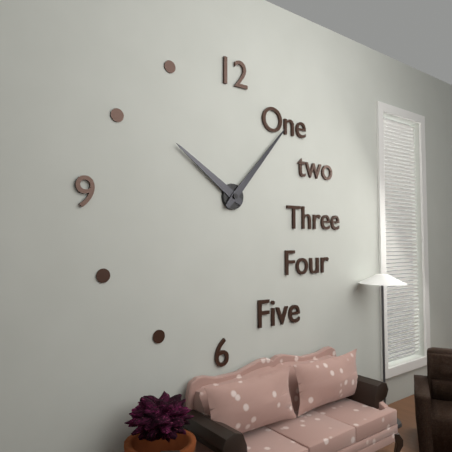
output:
10 h 07 min
